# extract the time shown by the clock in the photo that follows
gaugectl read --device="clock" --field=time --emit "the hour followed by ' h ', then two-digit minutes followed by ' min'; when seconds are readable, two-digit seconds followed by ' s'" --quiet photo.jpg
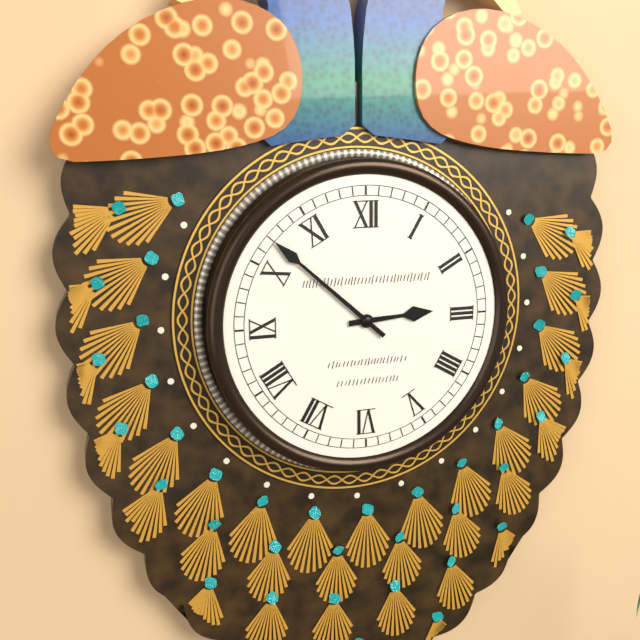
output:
2 h 52 min
